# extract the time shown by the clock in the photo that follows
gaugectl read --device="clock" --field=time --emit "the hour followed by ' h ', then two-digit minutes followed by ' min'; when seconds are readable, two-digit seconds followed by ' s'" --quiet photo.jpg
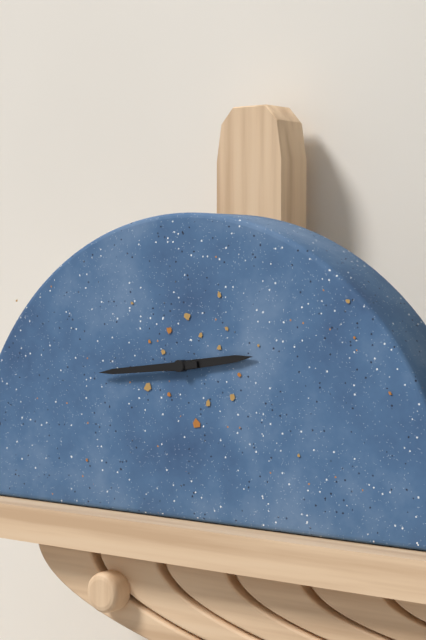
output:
2 h 44 min
